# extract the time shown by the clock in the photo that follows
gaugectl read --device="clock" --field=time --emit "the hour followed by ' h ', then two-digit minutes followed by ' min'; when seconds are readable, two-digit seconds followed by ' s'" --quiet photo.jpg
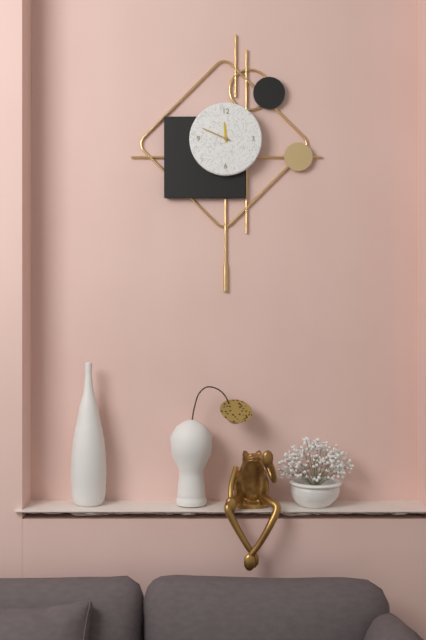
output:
11 h 49 min
